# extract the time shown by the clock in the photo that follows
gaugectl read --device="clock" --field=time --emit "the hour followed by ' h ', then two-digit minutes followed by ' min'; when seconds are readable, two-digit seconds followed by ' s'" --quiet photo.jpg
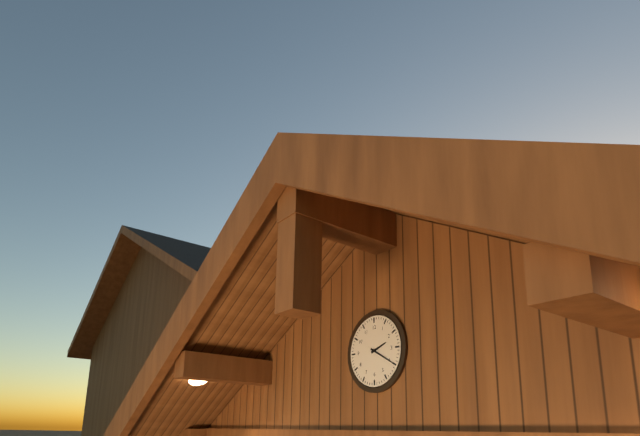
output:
2 h 20 min
